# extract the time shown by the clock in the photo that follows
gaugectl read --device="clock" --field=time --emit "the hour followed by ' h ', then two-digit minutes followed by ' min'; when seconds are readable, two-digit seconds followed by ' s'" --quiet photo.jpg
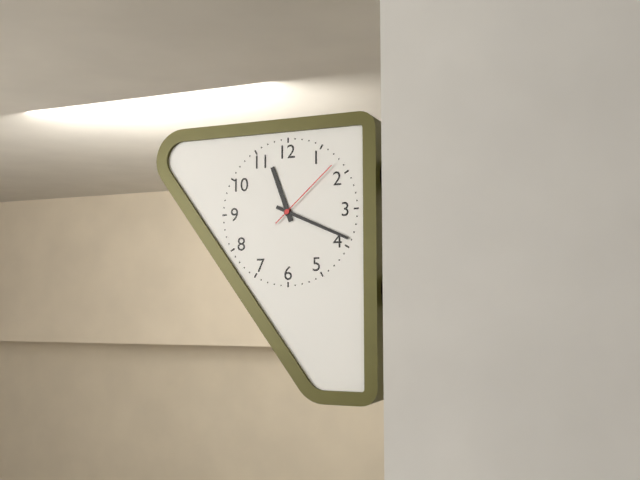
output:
11 h 19 min 08 s
